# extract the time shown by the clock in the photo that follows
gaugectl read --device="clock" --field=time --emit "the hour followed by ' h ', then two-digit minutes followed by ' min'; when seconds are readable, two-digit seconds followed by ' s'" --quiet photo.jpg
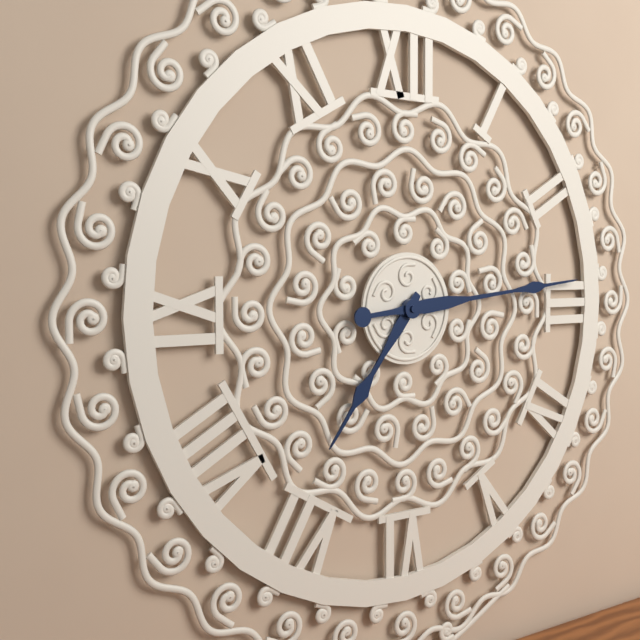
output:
7 h 14 min
